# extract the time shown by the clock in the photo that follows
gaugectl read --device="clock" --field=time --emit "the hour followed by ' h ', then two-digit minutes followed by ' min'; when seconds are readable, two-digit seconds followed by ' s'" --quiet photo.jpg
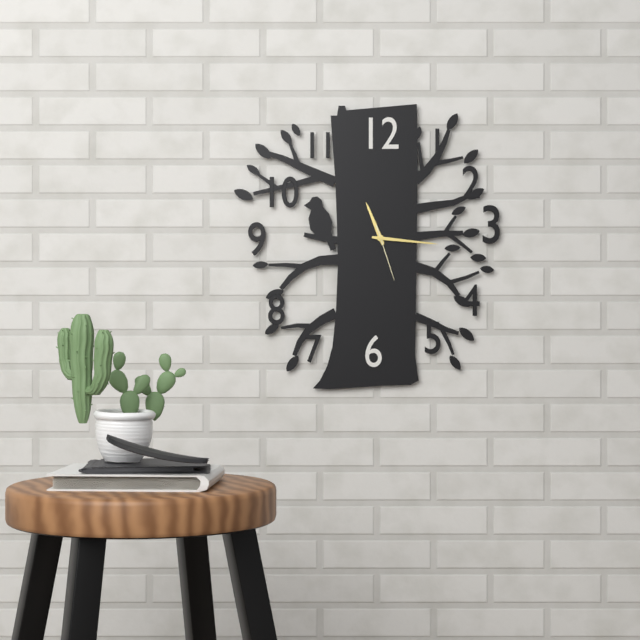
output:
11 h 16 min 27 s
